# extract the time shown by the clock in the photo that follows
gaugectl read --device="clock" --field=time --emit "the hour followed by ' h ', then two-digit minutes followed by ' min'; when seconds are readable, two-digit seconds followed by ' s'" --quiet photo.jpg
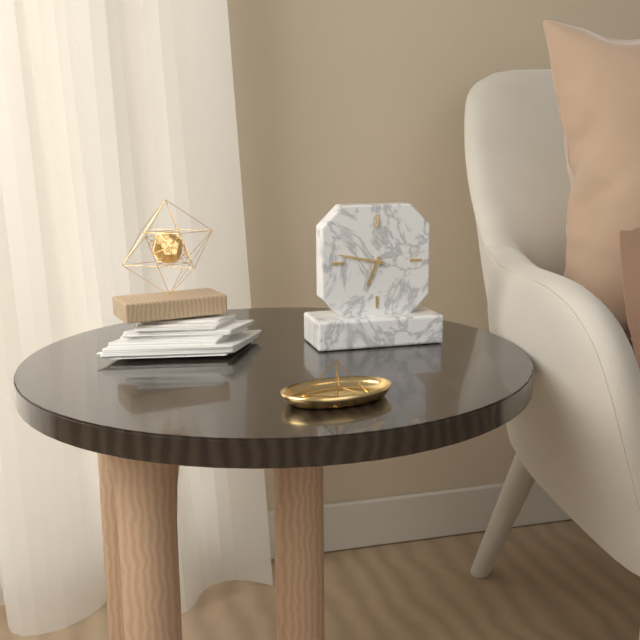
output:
6 h 47 min
